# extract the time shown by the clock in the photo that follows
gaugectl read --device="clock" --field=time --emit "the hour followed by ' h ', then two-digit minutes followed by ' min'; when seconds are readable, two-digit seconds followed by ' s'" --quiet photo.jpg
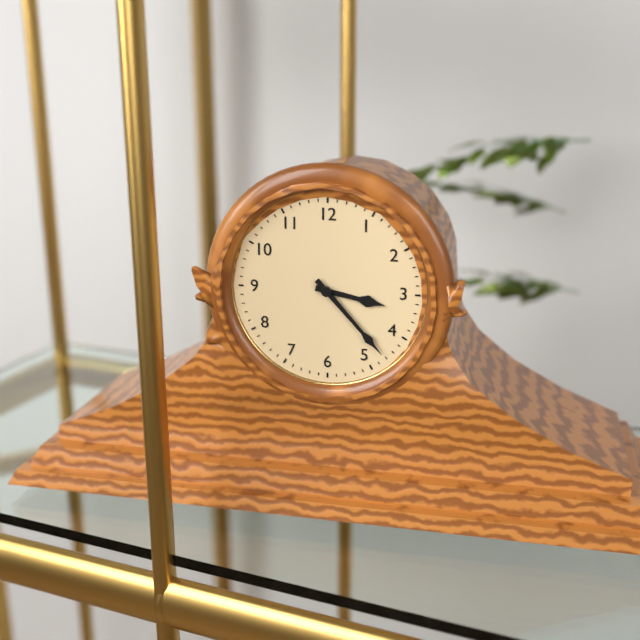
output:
3 h 23 min
